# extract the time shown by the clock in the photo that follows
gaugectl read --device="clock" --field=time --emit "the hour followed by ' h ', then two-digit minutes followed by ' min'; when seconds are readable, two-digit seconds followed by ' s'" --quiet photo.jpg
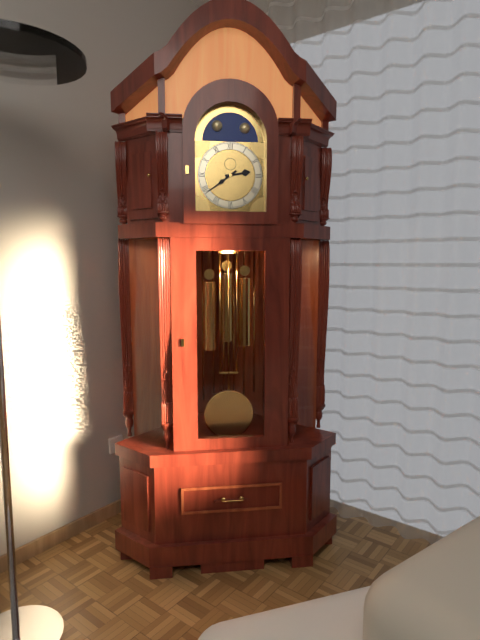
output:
2 h 39 min
